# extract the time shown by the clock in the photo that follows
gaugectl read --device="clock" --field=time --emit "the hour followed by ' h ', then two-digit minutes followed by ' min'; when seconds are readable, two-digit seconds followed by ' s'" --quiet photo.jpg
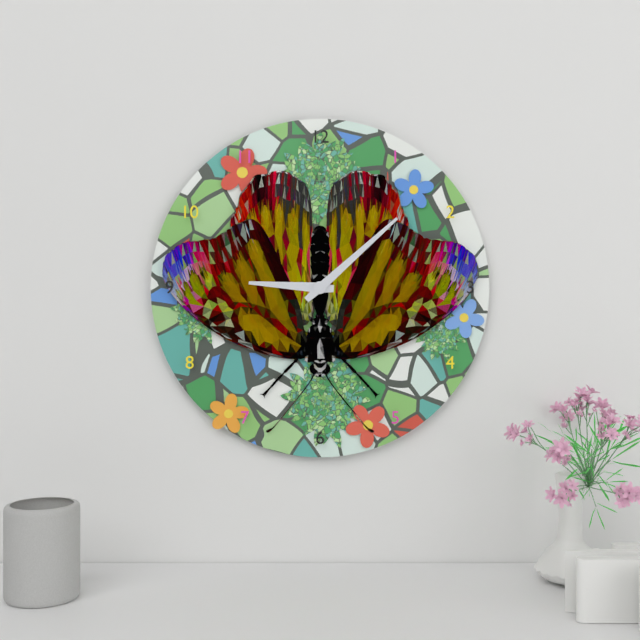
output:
9 h 08 min
